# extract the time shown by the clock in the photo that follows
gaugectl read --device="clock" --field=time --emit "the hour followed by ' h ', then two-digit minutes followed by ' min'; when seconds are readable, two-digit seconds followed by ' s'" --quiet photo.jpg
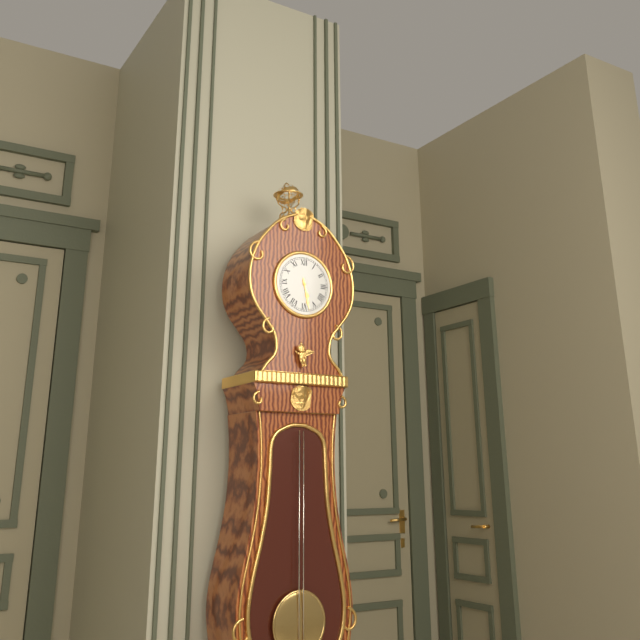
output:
5 h 28 min
